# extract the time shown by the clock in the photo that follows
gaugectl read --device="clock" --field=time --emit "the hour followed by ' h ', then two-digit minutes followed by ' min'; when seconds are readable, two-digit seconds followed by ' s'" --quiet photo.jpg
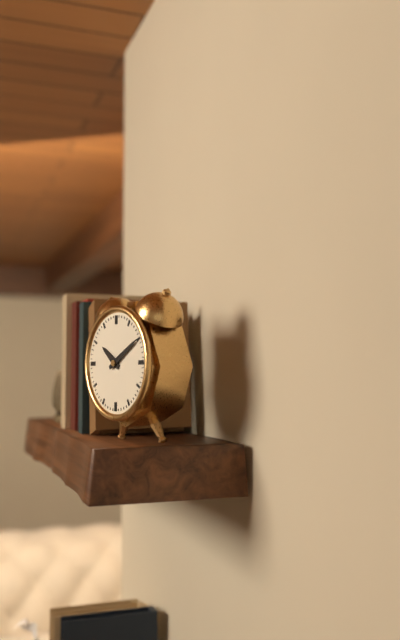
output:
10 h 10 min
